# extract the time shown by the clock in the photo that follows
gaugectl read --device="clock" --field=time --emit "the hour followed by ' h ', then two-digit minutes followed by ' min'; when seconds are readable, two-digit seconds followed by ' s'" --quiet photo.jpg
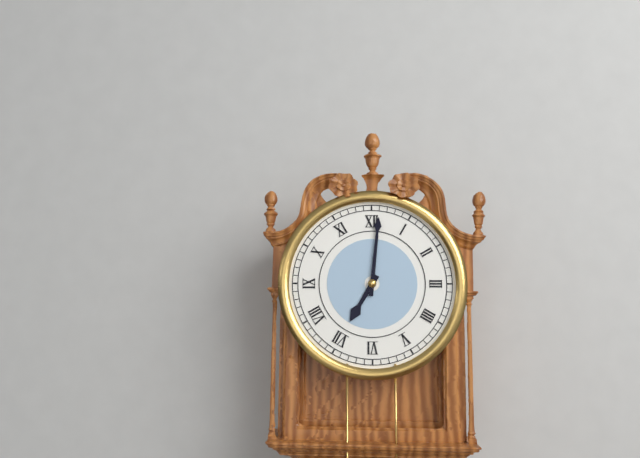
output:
7 h 01 min
